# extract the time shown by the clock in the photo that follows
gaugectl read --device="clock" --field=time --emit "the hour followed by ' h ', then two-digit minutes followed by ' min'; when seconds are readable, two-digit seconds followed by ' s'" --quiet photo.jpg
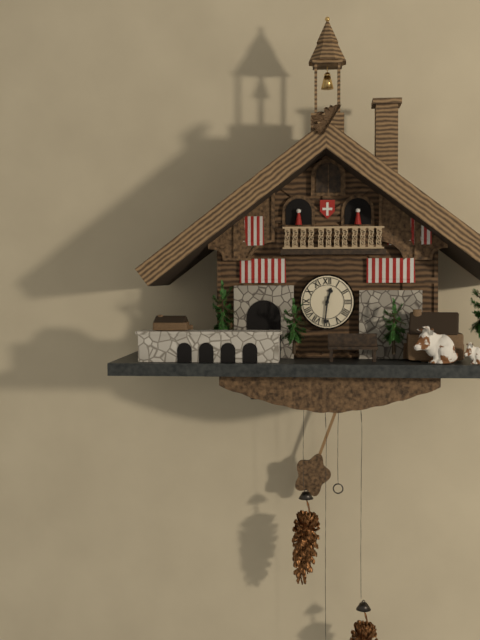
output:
12 h 31 min
